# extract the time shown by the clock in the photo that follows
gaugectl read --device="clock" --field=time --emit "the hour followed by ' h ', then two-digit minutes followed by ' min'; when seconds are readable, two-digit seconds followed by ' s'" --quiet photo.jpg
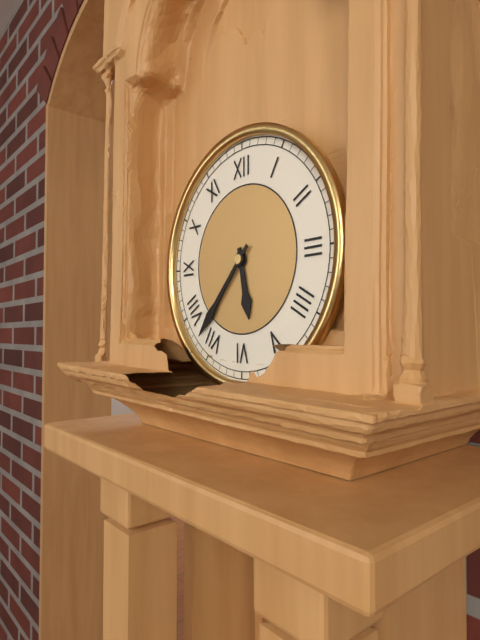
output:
5 h 37 min
